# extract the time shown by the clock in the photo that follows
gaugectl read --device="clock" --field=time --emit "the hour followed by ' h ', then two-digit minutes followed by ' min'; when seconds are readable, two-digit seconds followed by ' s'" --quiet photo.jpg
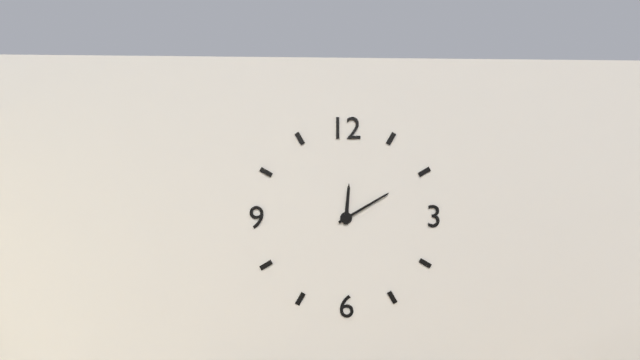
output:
12 h 10 min
